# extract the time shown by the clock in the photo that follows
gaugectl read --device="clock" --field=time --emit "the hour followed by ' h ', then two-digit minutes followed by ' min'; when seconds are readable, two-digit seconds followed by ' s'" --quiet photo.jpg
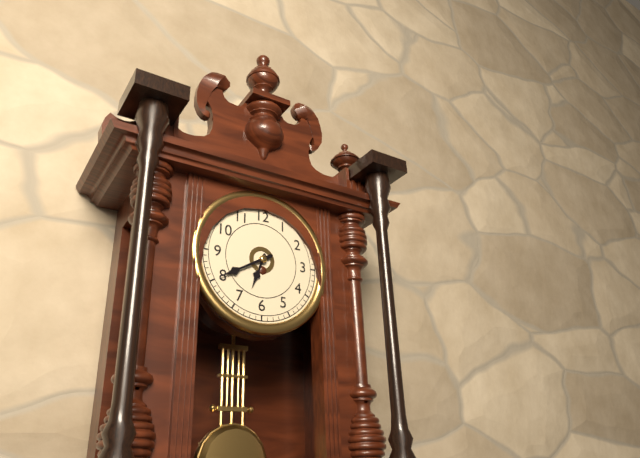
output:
6 h 40 min
